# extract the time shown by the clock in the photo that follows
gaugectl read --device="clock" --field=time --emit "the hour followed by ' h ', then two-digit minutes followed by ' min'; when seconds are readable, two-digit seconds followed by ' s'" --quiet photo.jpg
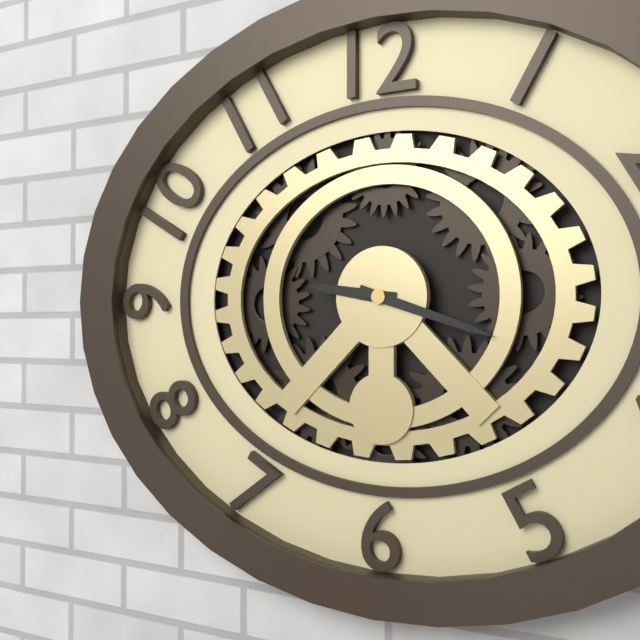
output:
9 h 18 min
